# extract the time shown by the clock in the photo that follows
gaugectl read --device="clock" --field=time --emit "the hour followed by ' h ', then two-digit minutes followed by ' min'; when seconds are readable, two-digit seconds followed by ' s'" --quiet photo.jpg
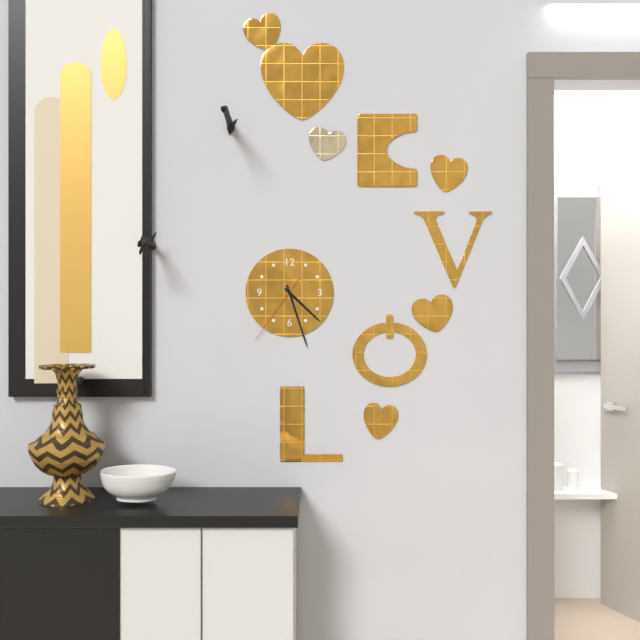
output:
4 h 27 min 36 s
